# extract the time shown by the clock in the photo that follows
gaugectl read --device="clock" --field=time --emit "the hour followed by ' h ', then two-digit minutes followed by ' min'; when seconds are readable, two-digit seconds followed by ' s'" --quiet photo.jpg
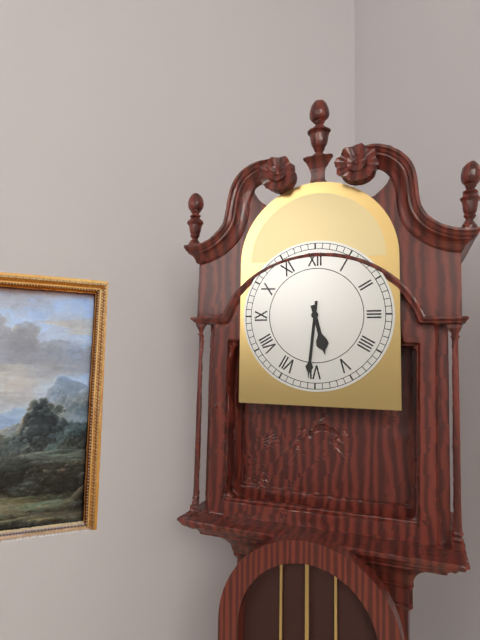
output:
5 h 31 min
